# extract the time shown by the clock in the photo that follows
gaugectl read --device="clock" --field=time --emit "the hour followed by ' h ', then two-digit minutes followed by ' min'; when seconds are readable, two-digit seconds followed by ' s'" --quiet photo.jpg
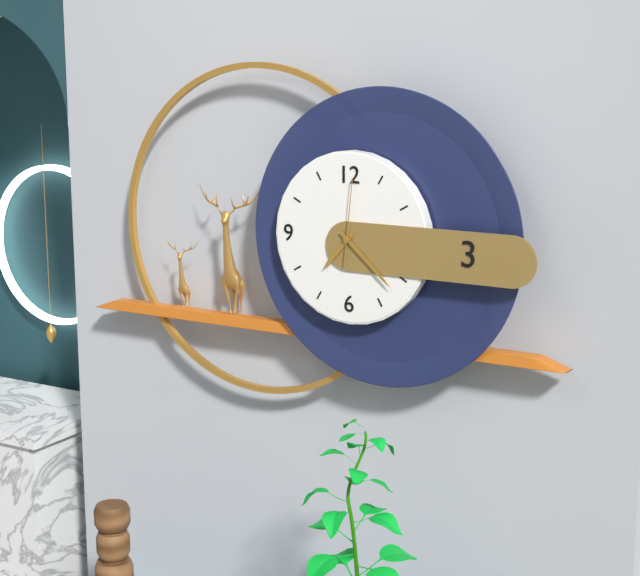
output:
7 h 22 min 01 s
